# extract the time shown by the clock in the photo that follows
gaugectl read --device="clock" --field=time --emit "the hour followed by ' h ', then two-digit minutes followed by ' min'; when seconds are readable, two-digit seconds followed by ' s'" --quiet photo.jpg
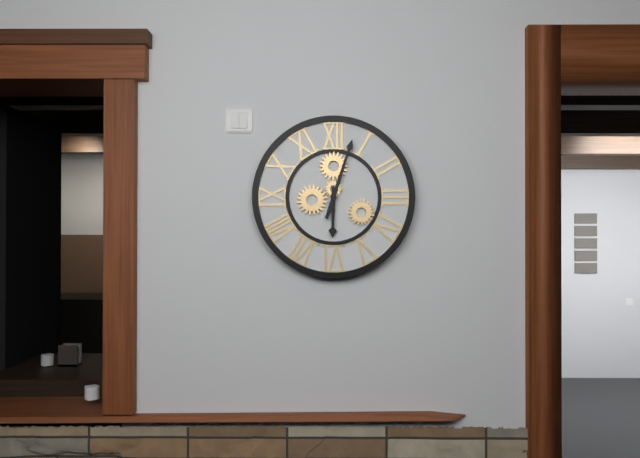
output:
6 h 03 min
